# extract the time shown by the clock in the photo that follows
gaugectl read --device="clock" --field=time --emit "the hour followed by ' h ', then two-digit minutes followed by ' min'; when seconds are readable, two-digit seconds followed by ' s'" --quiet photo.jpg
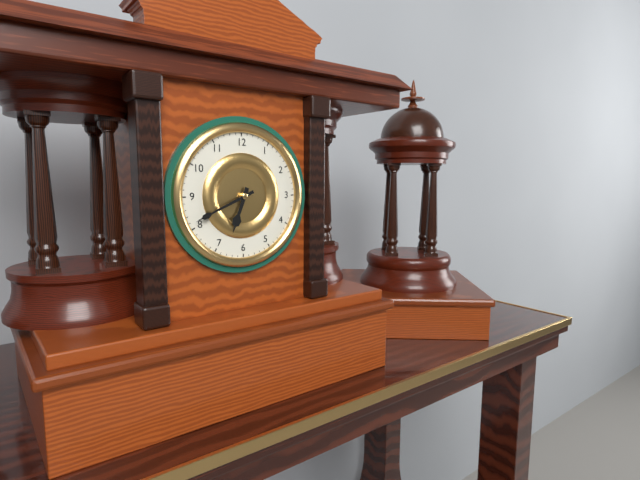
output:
6 h 41 min
